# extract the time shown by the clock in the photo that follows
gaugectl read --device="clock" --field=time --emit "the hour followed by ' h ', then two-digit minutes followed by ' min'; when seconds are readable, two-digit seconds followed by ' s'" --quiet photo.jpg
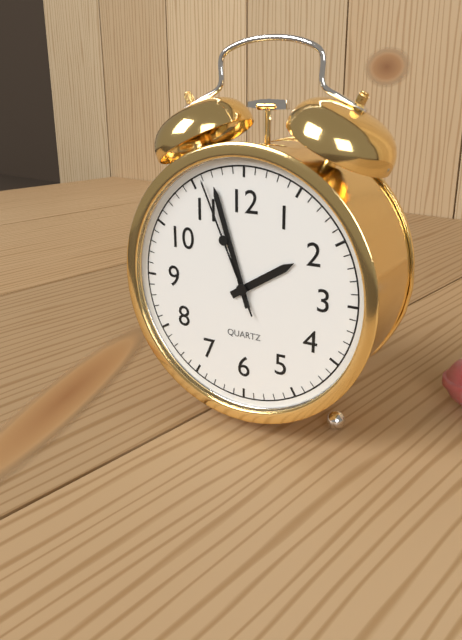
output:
1 h 57 min 56 s
